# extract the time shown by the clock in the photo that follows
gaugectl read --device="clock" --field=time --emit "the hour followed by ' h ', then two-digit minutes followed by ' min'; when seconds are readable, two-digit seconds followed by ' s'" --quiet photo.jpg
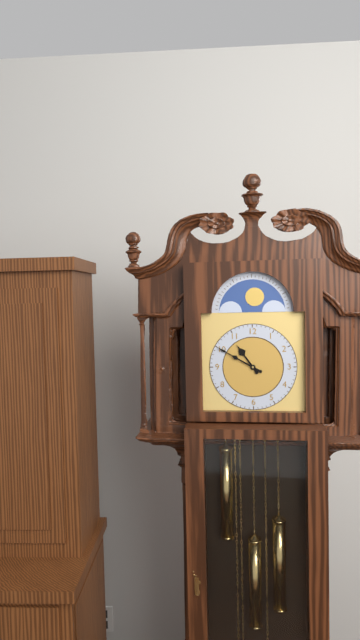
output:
10 h 50 min
